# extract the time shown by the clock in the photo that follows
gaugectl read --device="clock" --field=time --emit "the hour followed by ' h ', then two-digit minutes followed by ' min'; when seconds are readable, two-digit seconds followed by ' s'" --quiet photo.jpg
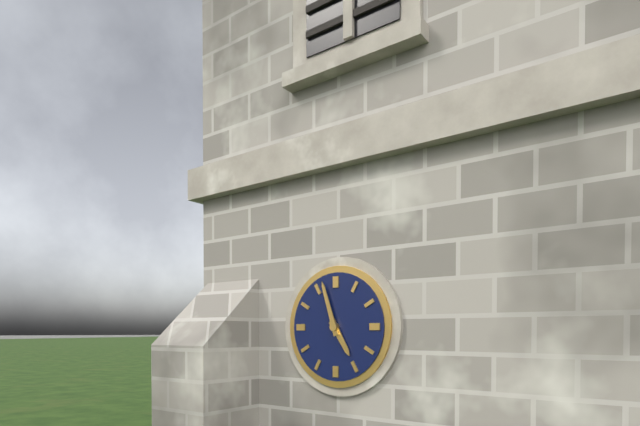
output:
4 h 57 min
